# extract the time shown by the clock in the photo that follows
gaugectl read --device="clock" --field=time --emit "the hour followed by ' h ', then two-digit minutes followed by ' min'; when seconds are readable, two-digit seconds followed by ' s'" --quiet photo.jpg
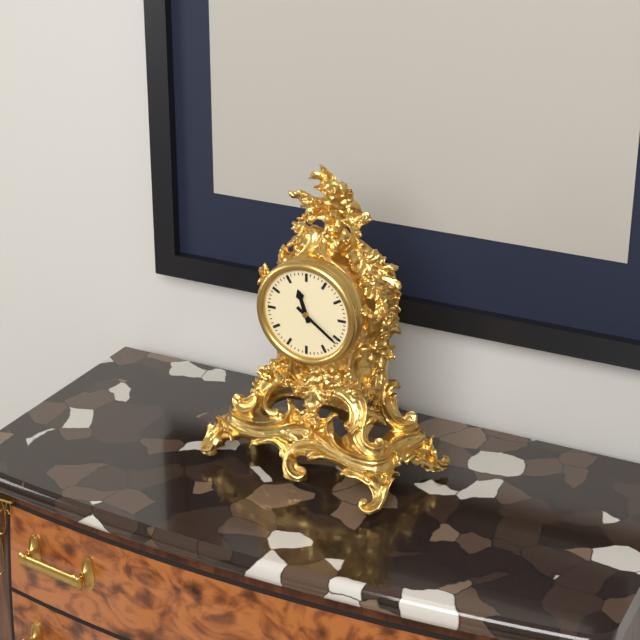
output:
11 h 21 min
